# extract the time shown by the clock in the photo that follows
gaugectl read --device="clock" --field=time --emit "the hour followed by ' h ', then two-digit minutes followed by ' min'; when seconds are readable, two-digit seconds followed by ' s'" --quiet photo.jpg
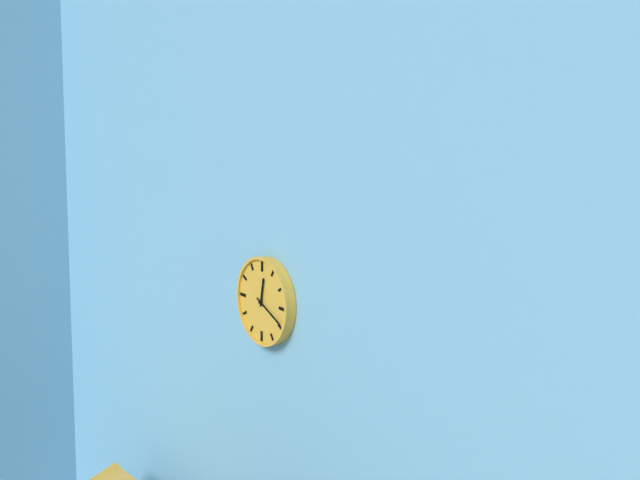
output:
12 h 19 min
